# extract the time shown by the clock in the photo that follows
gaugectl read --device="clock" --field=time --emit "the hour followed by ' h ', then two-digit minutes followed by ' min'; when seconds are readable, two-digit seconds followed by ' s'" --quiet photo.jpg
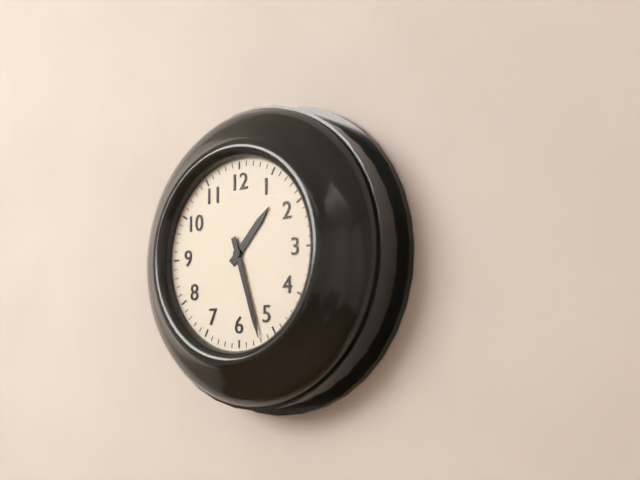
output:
1 h 27 min
